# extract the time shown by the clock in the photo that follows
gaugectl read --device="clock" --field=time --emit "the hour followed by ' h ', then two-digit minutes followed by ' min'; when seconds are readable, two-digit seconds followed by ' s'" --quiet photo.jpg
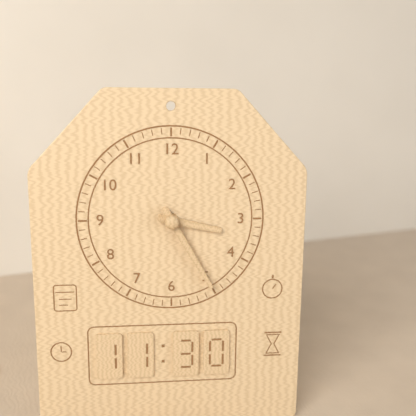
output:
3 h 25 min
